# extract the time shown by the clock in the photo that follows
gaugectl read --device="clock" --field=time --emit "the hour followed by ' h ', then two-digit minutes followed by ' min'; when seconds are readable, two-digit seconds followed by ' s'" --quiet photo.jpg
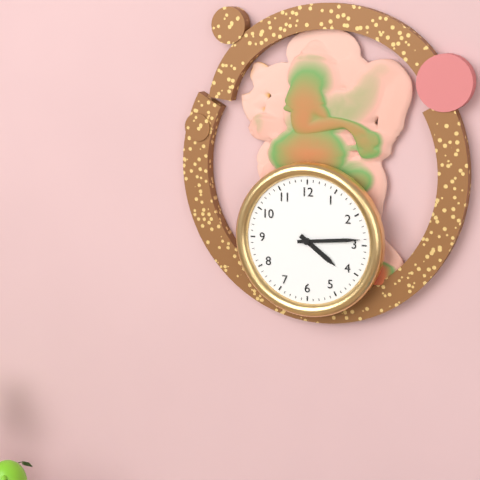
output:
4 h 14 min
